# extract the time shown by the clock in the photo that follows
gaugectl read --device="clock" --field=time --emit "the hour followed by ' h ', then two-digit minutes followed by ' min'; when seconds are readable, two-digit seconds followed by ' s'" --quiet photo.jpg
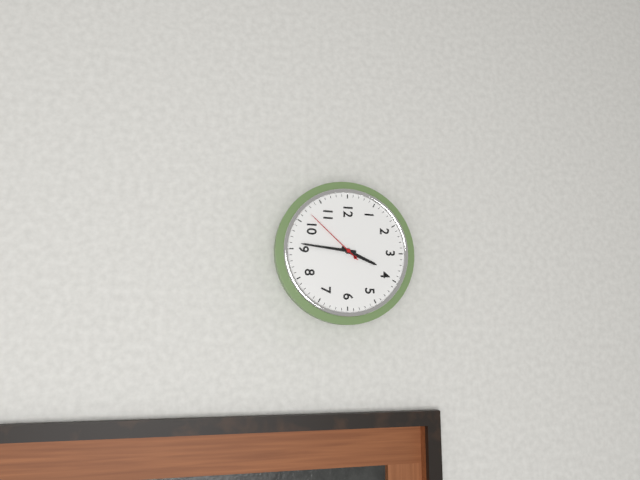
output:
3 h 46 min 52 s
